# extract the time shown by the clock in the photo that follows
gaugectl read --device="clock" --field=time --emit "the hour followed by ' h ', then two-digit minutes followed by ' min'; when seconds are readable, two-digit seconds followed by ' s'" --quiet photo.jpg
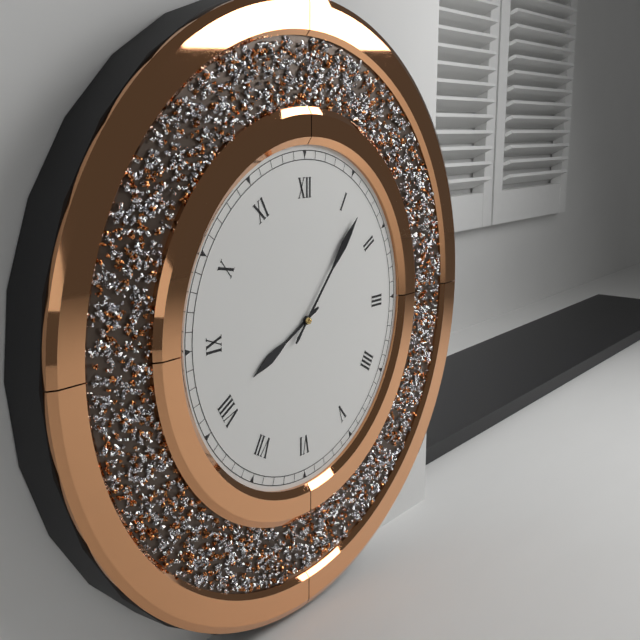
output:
8 h 07 min
